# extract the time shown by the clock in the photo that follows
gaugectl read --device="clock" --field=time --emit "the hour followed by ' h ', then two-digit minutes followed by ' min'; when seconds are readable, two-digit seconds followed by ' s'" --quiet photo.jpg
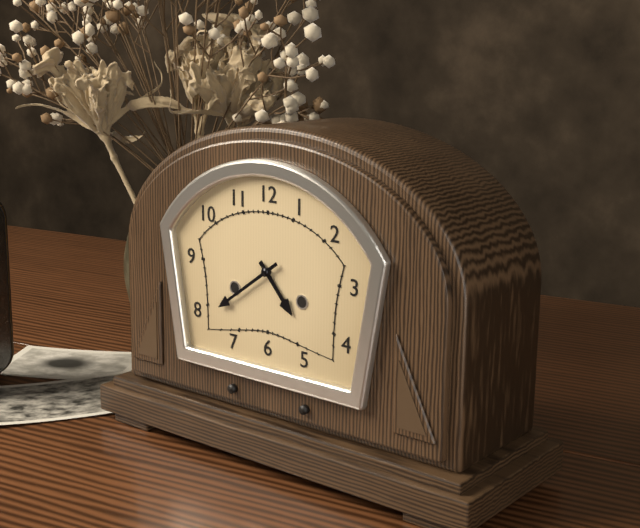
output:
4 h 39 min
